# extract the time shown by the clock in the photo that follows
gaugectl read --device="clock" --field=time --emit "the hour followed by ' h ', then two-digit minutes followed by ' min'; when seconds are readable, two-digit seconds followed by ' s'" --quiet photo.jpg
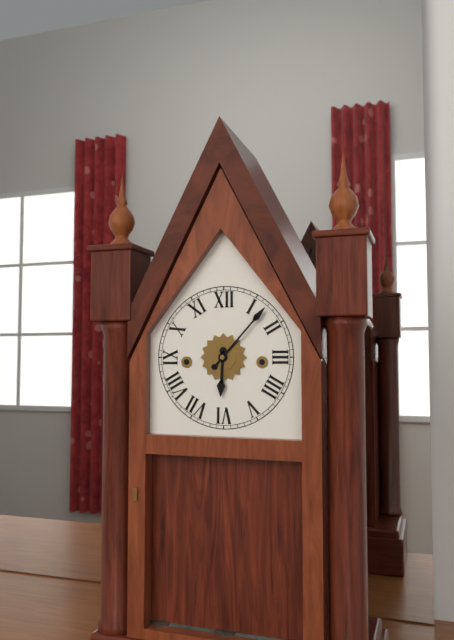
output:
6 h 07 min
